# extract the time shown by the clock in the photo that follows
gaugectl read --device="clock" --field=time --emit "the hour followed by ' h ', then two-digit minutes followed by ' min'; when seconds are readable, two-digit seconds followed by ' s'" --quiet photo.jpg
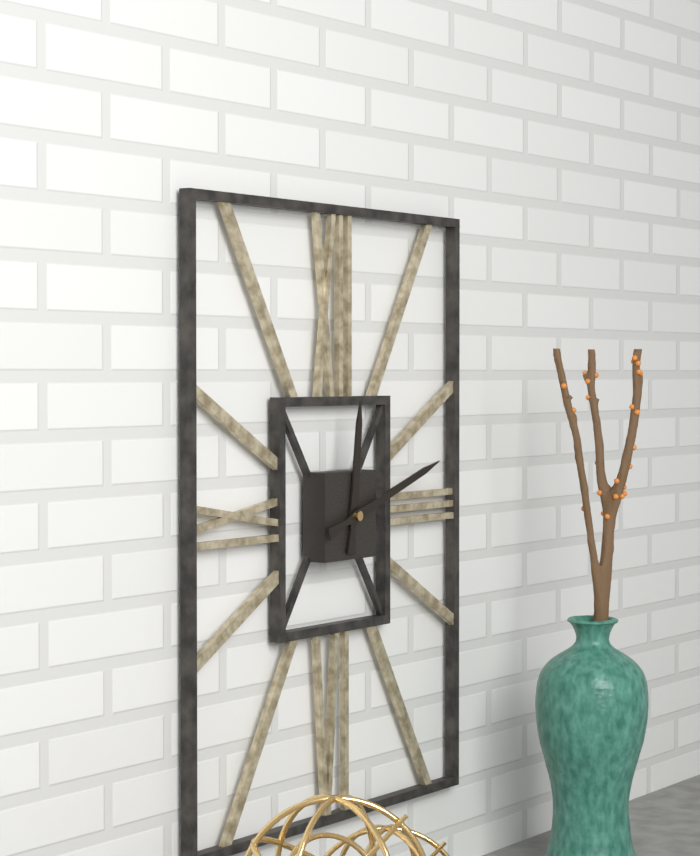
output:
12 h 12 min
